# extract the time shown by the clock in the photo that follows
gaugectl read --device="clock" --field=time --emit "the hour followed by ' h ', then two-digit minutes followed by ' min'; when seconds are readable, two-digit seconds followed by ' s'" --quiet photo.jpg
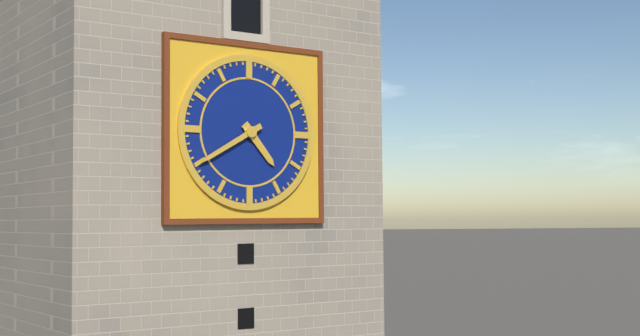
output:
4 h 40 min
